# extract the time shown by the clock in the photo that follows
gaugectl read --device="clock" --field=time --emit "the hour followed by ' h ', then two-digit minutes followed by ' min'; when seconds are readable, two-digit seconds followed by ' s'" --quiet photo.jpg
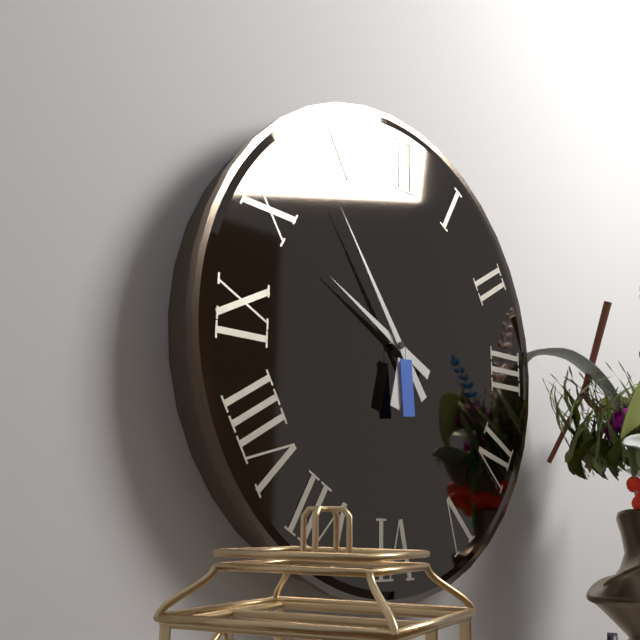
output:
9 h 54 min
